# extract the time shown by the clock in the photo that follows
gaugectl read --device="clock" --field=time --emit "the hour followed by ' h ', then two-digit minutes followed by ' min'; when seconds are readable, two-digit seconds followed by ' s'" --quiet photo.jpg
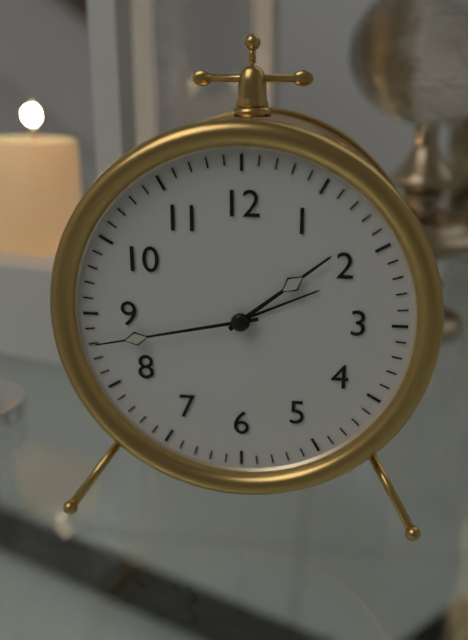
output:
1 h 43 min
